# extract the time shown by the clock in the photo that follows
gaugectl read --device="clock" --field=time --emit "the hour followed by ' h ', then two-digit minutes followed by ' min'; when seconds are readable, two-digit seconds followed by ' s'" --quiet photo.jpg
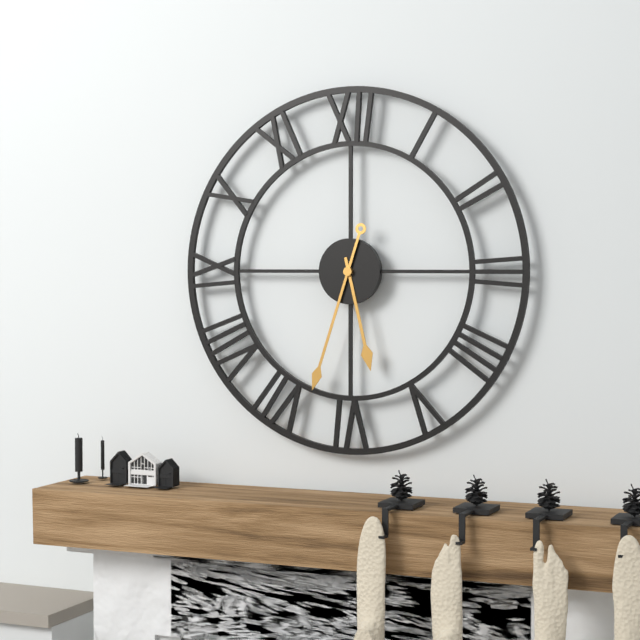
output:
5 h 33 min
